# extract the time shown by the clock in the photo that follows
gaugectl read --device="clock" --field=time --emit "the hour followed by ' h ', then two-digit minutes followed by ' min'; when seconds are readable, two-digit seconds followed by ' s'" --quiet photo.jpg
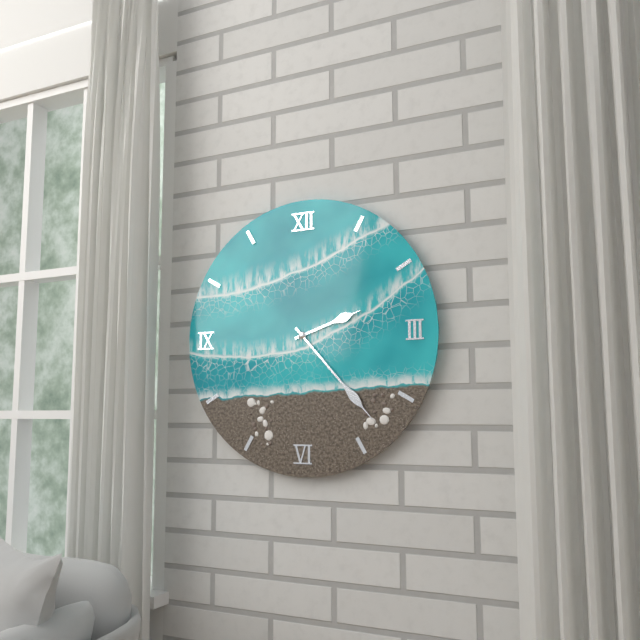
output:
2 h 23 min
